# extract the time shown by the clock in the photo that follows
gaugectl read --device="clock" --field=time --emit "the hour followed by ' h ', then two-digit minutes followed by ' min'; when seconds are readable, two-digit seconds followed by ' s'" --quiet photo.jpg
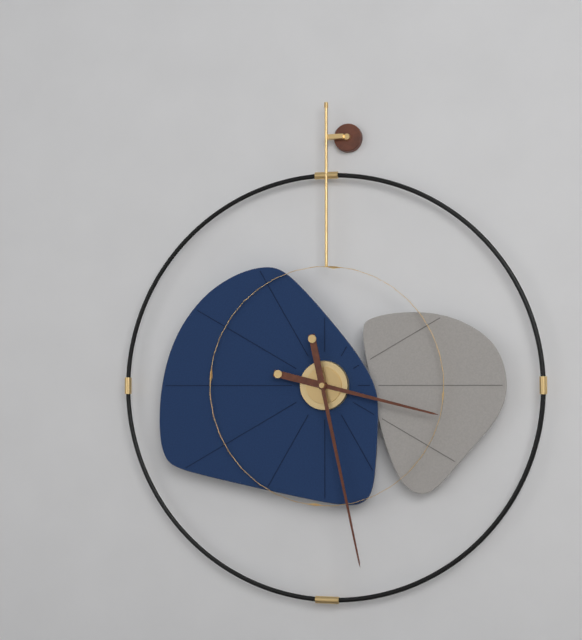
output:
3 h 28 min
